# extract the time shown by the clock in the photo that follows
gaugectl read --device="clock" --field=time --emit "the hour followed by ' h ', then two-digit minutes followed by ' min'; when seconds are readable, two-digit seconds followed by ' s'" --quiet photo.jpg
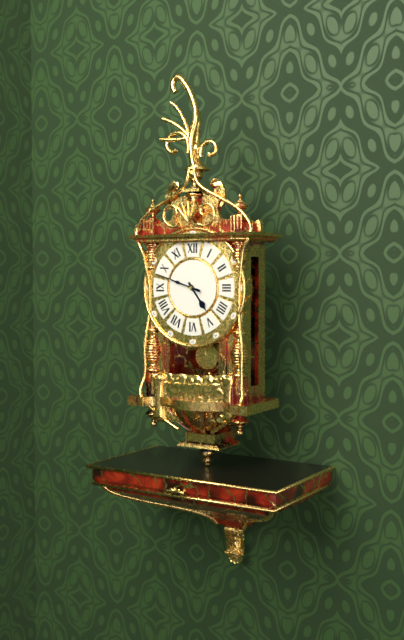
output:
4 h 48 min
